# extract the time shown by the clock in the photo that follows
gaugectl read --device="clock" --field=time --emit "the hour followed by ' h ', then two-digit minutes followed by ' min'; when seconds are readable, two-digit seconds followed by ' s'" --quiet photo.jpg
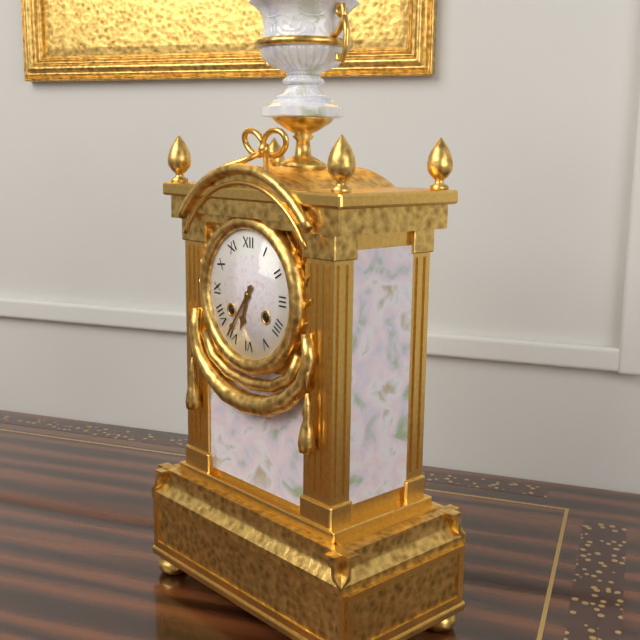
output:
6 h 36 min
